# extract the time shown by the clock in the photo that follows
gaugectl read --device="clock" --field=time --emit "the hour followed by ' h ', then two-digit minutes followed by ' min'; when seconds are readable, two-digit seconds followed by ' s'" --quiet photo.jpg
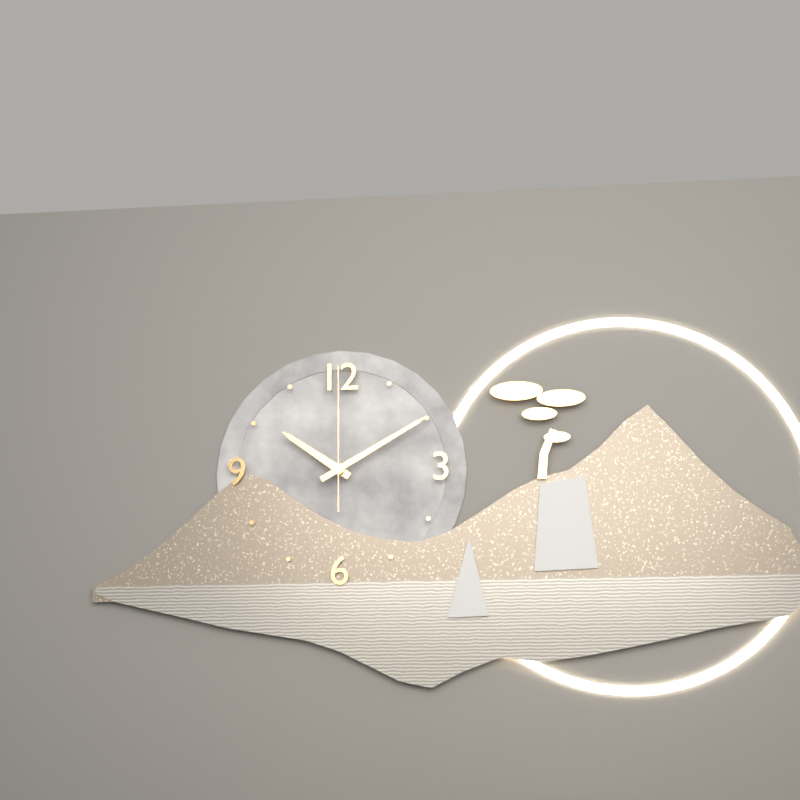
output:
10 h 10 min 00 s
